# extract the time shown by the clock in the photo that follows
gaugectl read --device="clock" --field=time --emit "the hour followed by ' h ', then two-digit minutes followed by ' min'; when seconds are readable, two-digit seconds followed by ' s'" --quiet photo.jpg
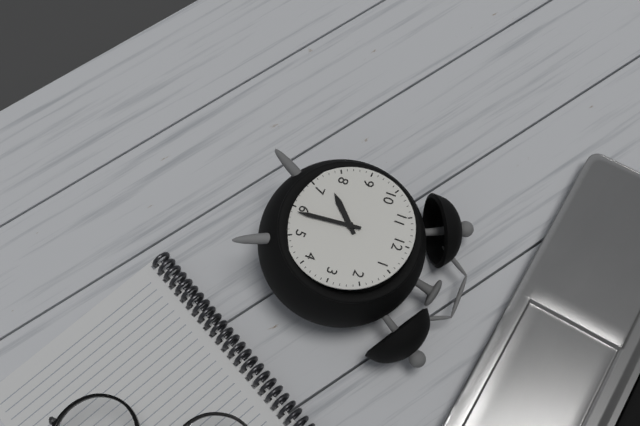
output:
7 h 29 min
